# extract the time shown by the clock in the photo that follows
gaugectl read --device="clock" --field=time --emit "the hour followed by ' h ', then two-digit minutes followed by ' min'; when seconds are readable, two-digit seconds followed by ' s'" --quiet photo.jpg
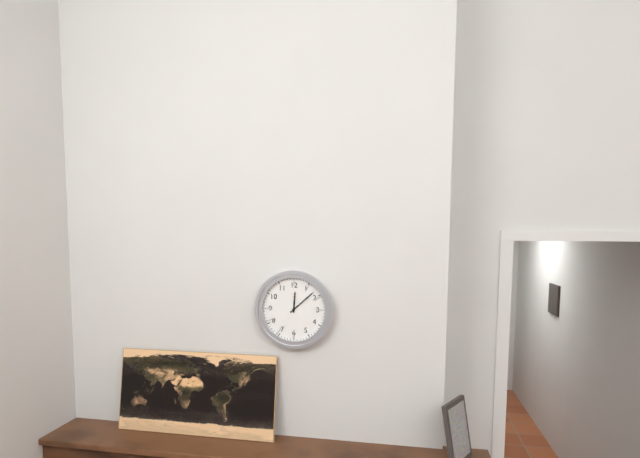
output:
12 h 08 min
